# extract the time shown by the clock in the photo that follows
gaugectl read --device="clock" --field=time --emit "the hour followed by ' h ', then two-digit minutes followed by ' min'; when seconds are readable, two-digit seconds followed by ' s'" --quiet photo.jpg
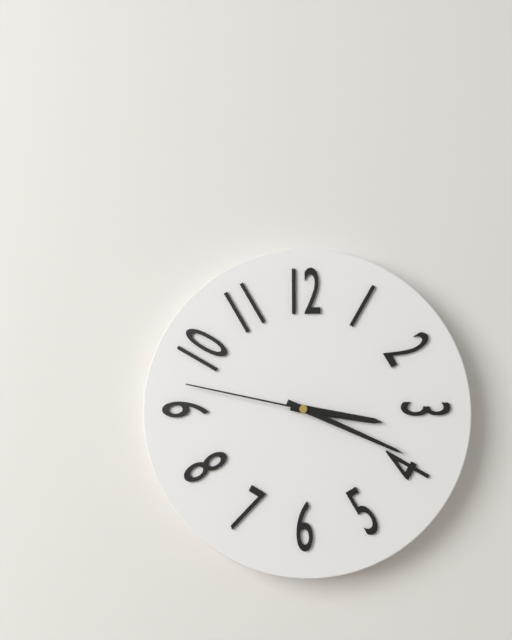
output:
3 h 19 min 47 s
